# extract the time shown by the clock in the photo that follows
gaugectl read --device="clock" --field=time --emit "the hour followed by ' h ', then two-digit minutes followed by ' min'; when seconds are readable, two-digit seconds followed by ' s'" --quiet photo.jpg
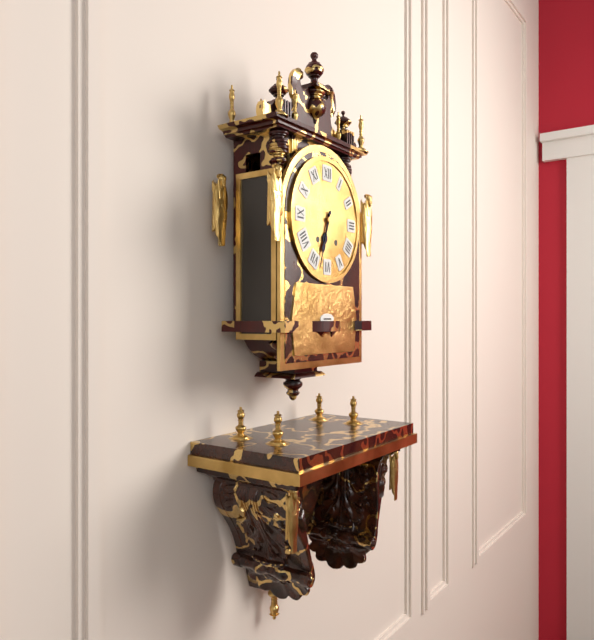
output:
6 h 33 min
